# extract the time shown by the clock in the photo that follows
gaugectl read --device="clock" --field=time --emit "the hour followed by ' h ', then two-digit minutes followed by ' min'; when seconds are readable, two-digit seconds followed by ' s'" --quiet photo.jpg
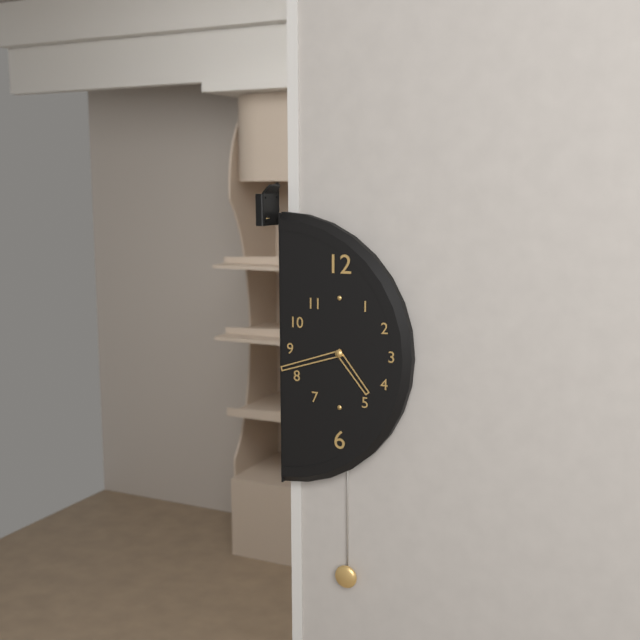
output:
4 h 42 min
